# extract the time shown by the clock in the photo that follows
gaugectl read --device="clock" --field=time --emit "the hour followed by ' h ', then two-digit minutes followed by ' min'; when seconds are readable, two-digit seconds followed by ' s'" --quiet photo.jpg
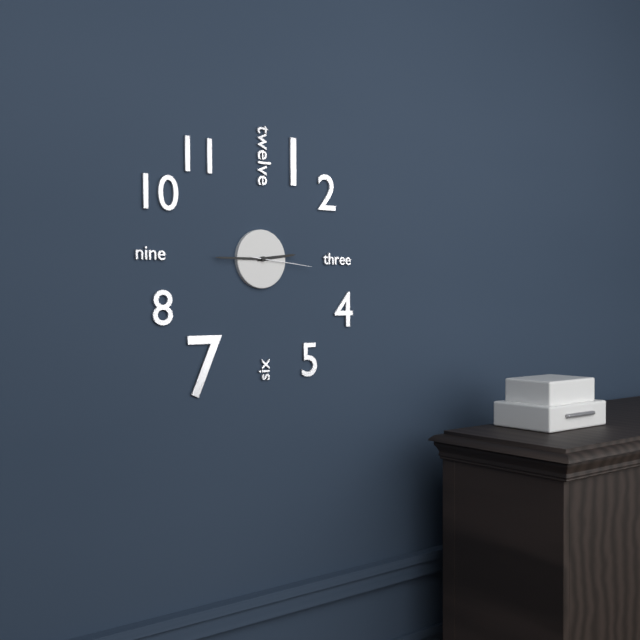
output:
2 h 45 min 16 s
